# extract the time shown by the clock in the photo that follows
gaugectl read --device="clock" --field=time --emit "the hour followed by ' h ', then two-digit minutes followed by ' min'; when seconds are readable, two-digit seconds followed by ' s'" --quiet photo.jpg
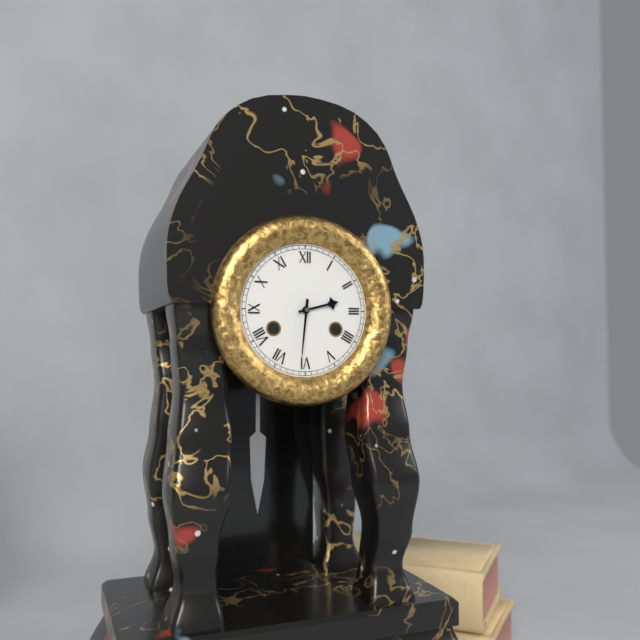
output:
2 h 31 min
